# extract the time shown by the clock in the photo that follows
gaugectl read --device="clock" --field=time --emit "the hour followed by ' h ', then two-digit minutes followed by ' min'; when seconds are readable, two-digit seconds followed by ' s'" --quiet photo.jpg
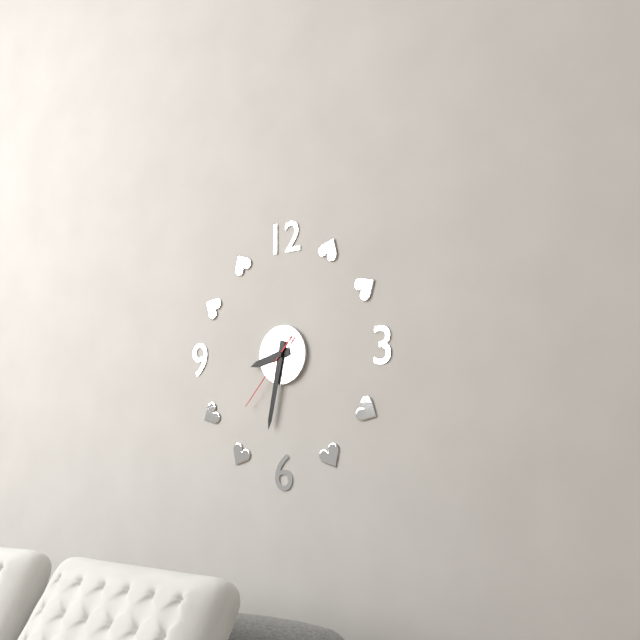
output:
8 h 32 min 37 s
